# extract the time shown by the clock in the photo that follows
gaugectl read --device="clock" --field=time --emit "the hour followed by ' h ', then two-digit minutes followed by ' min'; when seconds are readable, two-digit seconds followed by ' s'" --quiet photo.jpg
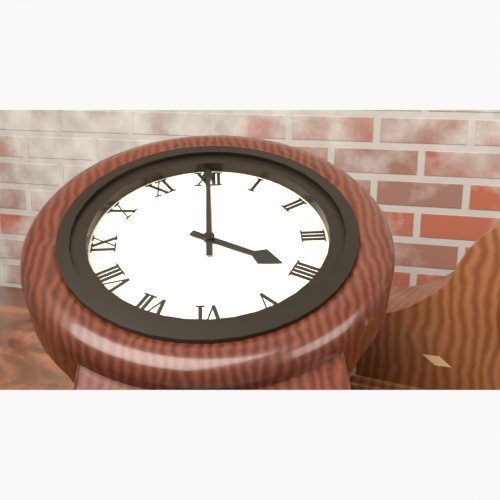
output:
4 h 00 min
